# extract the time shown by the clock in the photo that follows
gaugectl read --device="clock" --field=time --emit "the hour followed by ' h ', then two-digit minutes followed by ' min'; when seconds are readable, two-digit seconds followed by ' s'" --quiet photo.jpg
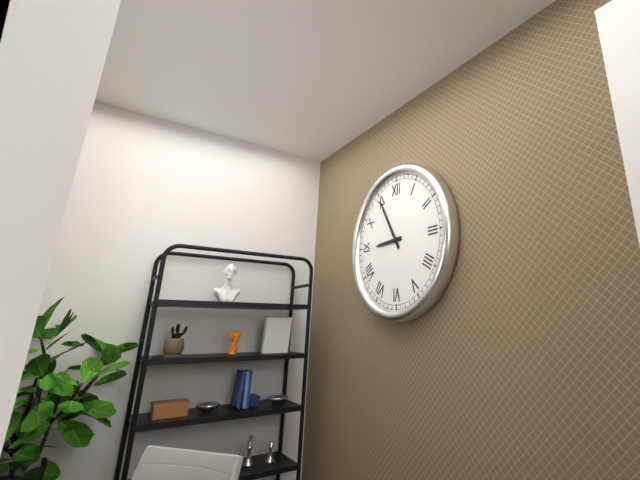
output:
8 h 55 min
